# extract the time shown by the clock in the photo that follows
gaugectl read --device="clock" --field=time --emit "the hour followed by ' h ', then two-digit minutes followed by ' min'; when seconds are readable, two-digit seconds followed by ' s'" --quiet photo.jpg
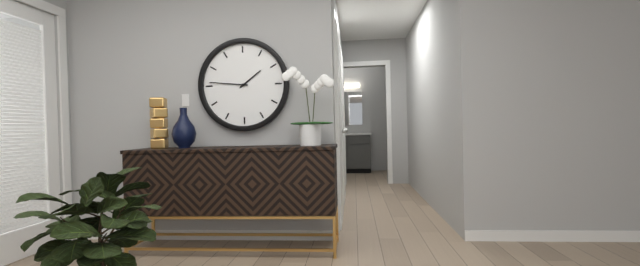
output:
1 h 46 min
